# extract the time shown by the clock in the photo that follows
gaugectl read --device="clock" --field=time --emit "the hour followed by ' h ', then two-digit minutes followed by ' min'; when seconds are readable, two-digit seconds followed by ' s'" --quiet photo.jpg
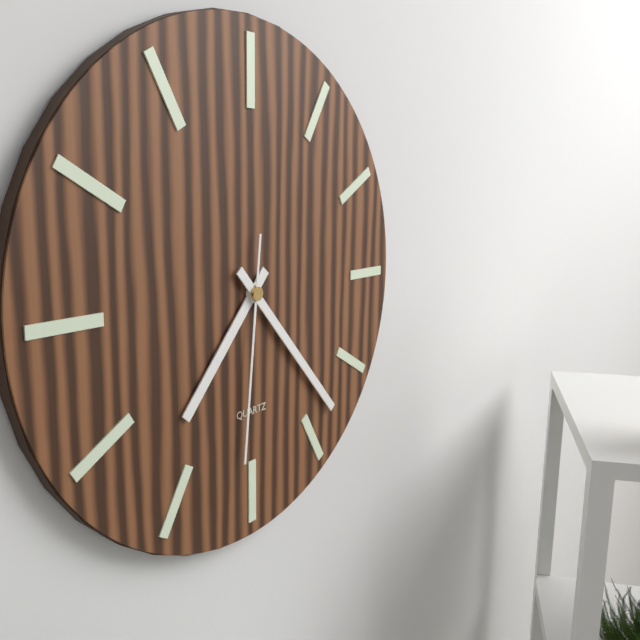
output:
7 h 23 min 31 s
